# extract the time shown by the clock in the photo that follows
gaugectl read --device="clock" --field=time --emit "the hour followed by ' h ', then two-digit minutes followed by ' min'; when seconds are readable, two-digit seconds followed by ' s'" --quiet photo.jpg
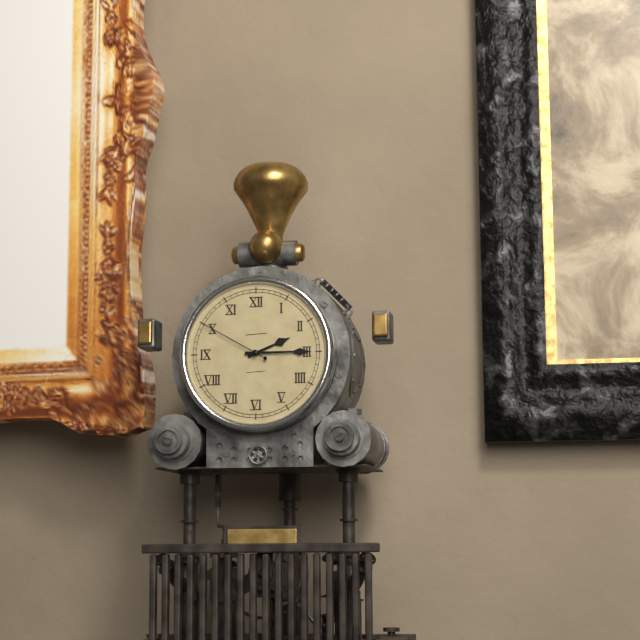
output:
2 h 15 min 50 s
